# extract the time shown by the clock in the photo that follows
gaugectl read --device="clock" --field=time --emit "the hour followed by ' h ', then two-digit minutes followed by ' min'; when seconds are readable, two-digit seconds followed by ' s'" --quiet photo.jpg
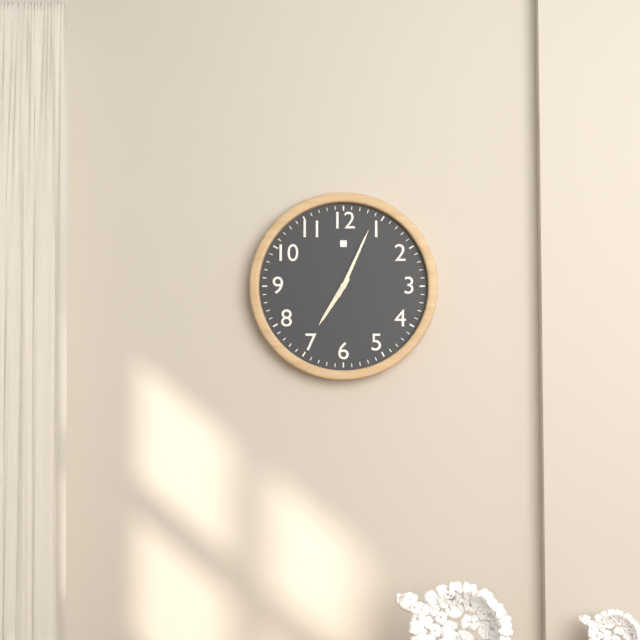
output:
7 h 04 min
